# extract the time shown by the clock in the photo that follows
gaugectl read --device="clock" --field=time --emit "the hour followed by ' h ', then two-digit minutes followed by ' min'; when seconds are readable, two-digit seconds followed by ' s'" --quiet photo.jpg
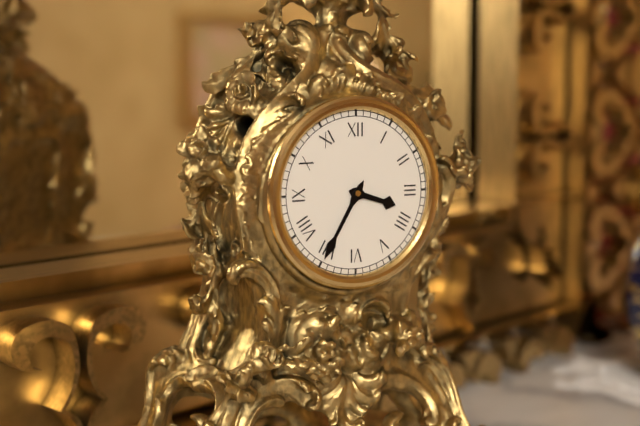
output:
3 h 35 min
